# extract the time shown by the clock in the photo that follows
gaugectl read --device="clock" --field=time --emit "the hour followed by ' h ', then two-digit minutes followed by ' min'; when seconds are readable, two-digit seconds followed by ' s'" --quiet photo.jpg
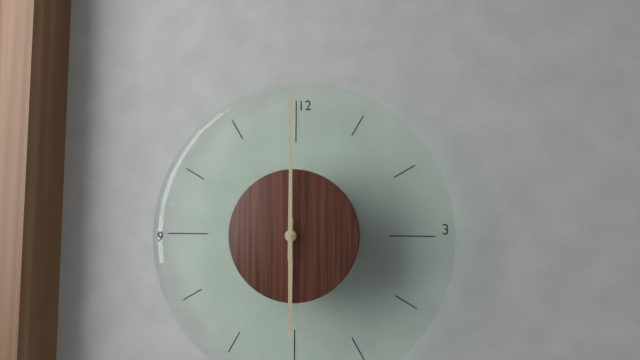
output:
6 h 00 min
